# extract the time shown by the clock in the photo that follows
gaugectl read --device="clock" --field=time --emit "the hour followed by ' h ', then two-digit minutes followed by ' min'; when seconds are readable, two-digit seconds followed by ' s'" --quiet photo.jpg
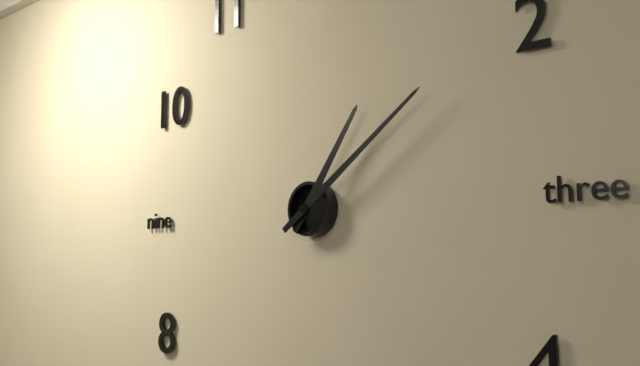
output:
1 h 09 min
